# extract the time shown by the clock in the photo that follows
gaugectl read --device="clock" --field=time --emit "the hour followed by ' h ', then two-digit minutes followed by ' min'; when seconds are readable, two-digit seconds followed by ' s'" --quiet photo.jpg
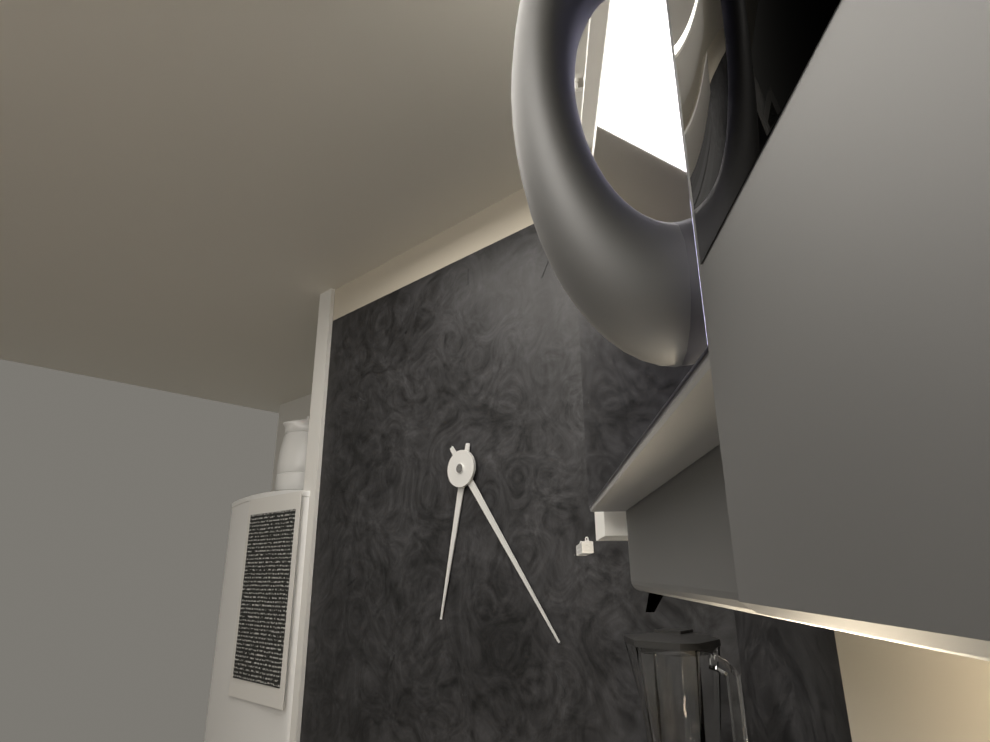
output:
6 h 24 min
